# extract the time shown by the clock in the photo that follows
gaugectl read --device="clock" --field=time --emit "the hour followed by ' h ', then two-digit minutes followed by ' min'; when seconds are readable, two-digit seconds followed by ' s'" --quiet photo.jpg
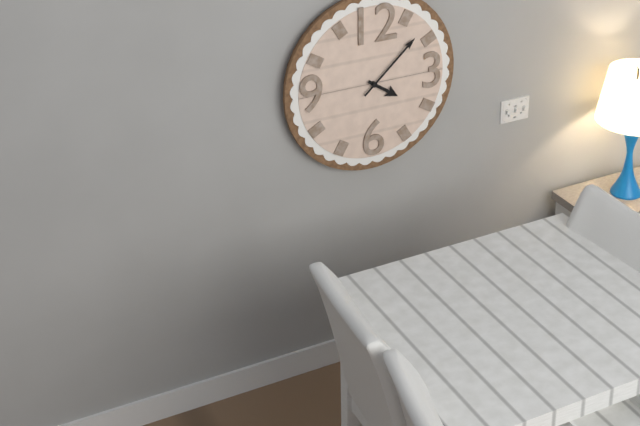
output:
4 h 08 min
